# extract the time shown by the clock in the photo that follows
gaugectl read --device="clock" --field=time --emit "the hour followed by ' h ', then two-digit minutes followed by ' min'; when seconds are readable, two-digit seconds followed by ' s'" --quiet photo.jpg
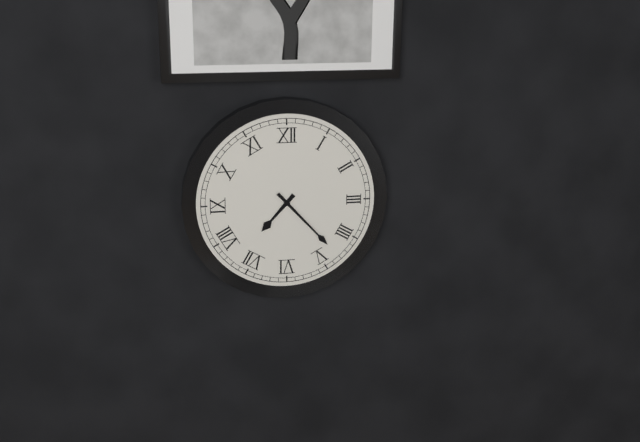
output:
7 h 23 min
